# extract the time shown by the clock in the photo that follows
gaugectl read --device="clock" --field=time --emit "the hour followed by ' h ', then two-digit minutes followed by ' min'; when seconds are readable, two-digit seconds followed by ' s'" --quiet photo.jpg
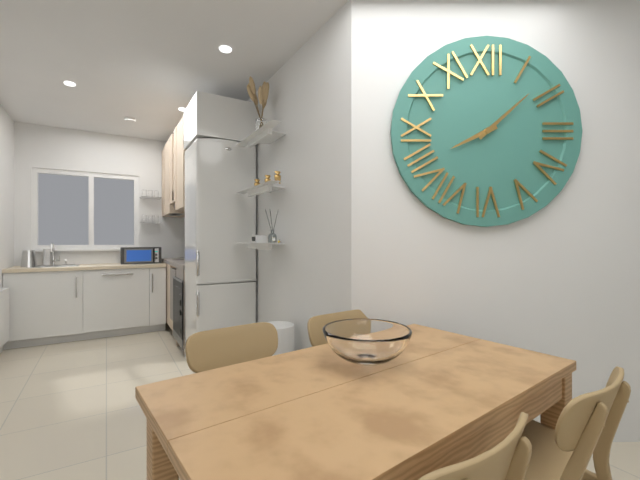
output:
8 h 08 min
